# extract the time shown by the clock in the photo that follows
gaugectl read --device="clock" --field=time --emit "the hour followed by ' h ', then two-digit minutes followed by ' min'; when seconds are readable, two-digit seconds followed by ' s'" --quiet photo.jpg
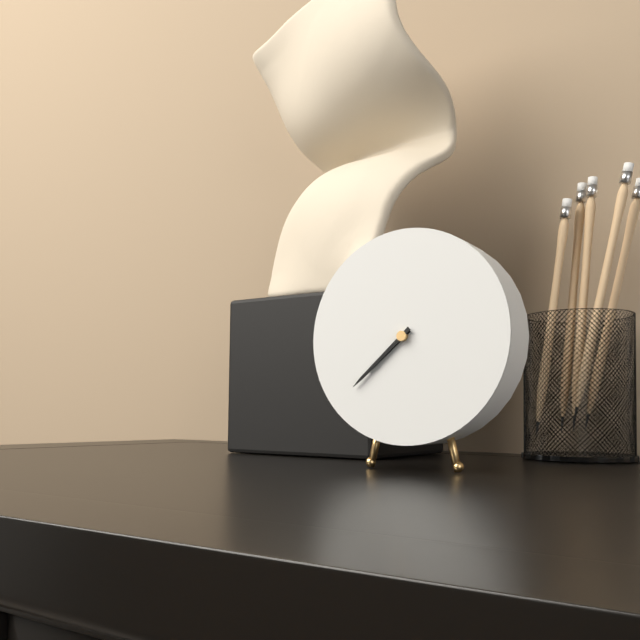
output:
7 h 38 min
